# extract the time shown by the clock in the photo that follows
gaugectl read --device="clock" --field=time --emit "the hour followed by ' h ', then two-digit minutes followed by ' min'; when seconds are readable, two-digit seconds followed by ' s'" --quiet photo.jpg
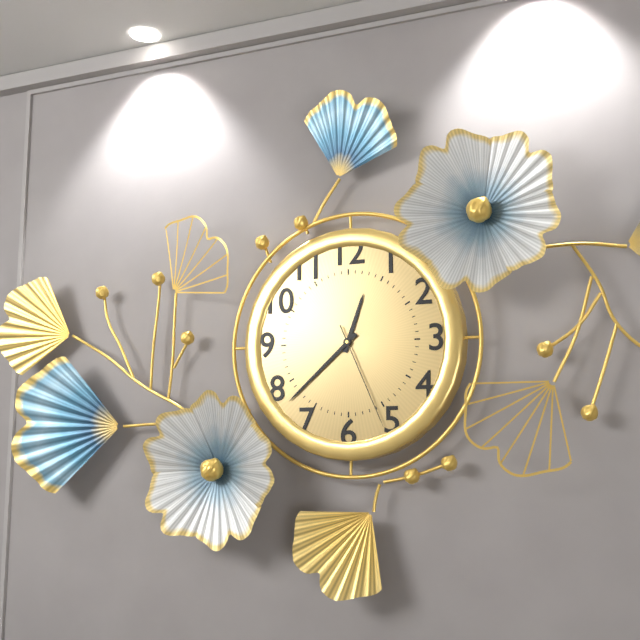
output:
12 h 38 min 26 s
